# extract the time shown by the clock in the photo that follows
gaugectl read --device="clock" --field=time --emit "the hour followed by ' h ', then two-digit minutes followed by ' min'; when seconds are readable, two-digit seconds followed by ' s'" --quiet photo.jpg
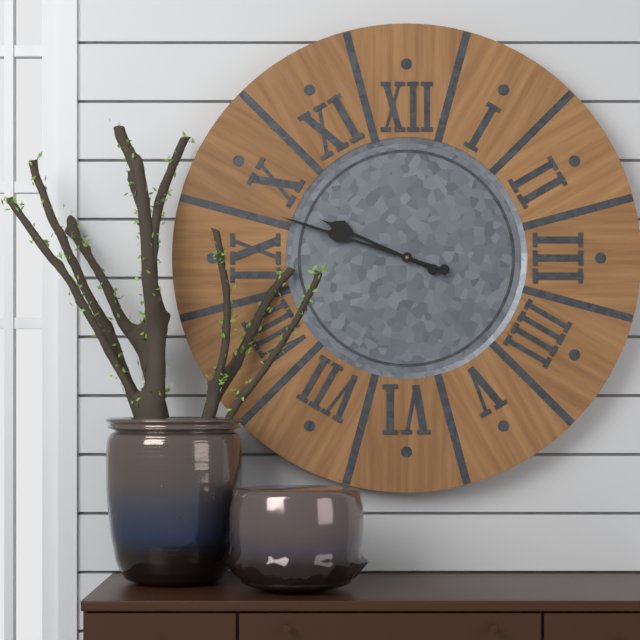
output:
9 h 48 min
